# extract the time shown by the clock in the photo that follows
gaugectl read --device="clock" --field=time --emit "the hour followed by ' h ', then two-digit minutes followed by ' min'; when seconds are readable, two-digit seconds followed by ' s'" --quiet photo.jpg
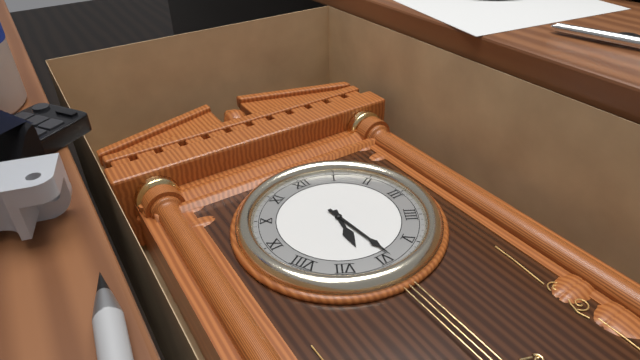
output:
6 h 29 min
